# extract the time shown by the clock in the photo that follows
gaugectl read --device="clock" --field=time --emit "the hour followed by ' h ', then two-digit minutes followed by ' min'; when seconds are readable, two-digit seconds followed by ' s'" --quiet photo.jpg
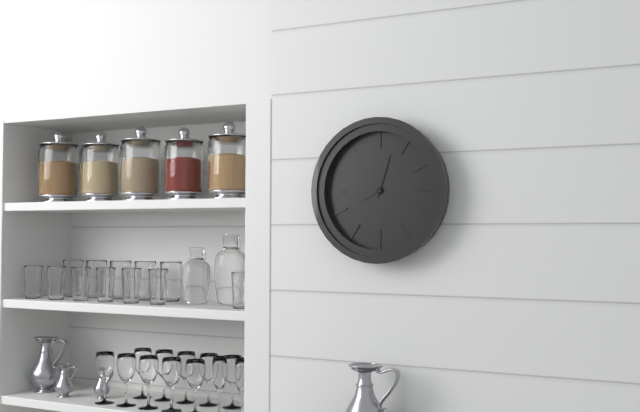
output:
8 h 03 min
